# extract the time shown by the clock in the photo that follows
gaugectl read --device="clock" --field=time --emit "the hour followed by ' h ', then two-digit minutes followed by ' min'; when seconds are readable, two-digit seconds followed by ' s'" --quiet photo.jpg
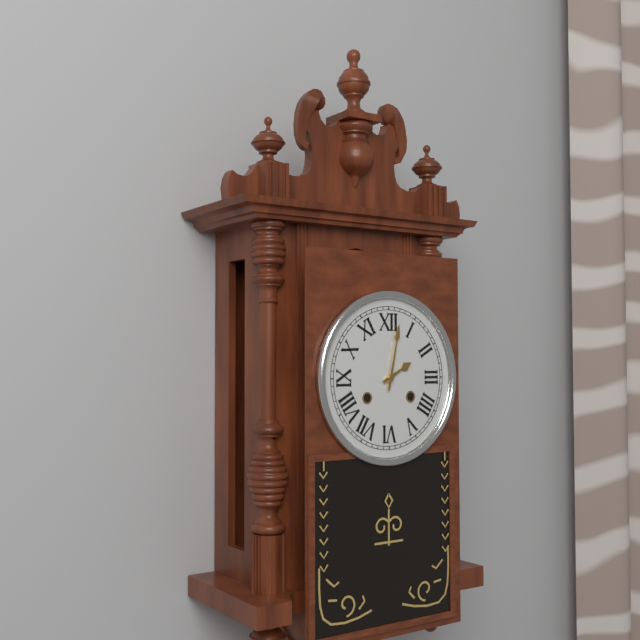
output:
2 h 02 min
